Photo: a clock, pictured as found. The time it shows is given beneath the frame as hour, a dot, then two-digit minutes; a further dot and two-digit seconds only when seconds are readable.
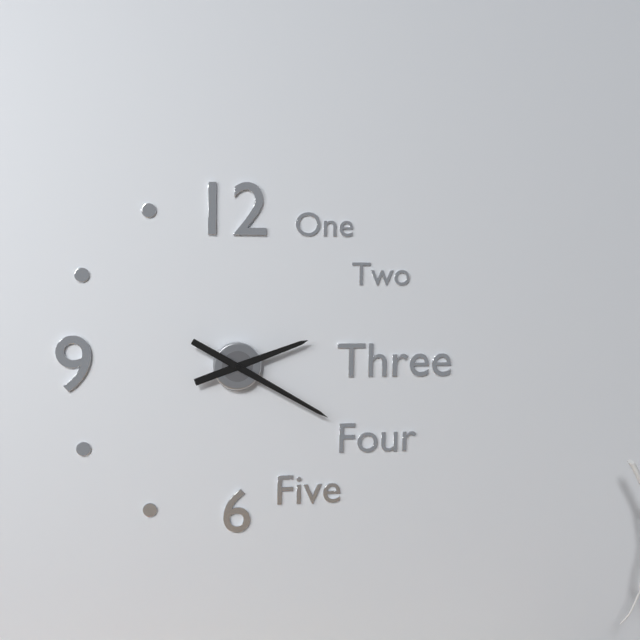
2.20
